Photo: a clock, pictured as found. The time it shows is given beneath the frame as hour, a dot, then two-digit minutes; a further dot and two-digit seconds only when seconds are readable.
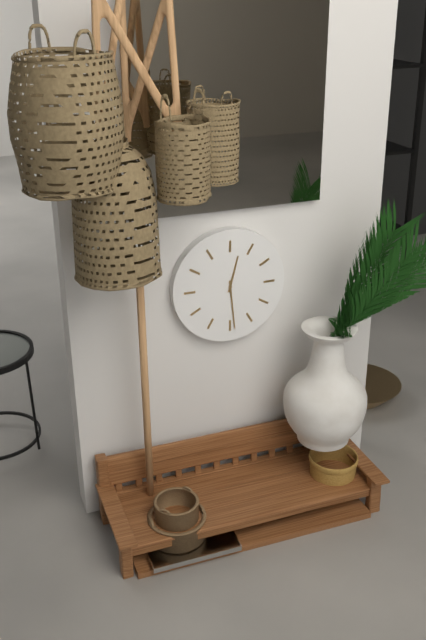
12.29
